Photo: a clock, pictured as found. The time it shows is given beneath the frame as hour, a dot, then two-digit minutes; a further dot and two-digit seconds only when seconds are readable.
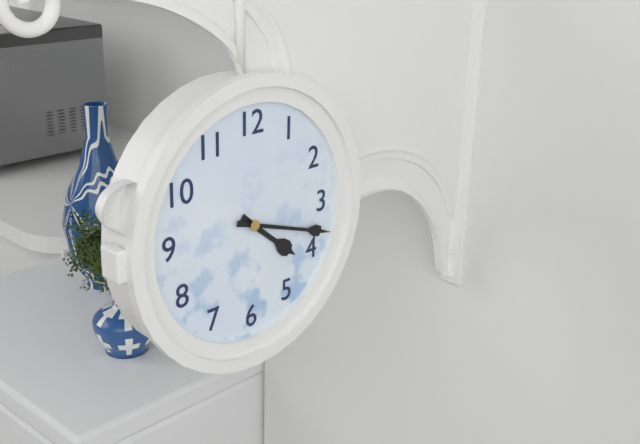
4.18
